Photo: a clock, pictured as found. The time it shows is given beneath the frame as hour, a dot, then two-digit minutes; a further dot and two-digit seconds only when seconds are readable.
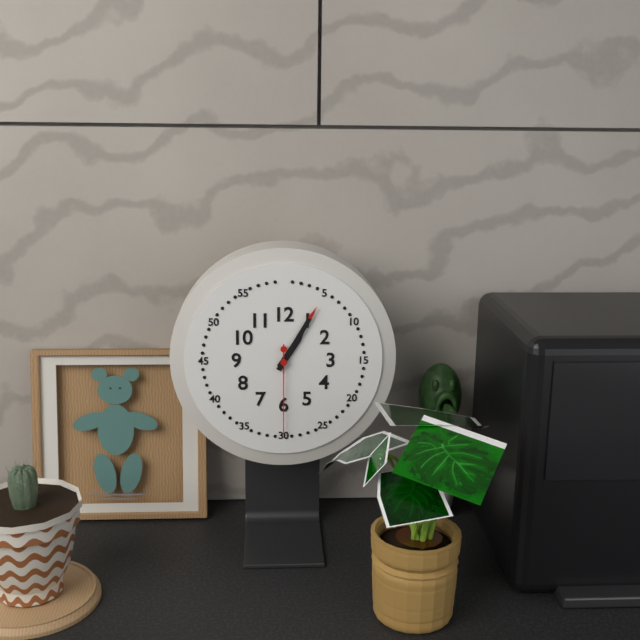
1.05.30
